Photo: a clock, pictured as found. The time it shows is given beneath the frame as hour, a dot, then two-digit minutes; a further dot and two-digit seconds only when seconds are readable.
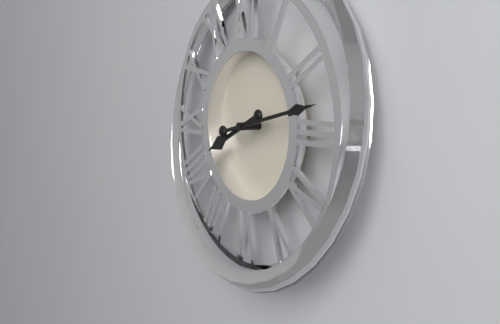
8.13
